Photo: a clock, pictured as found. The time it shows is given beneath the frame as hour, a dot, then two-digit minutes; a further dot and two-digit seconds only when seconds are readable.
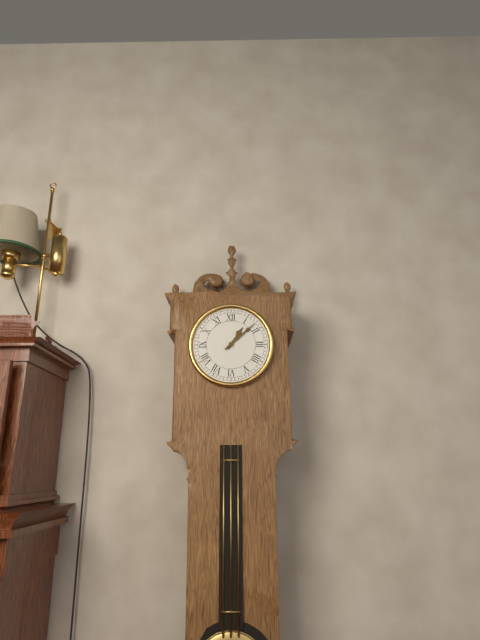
1.08
